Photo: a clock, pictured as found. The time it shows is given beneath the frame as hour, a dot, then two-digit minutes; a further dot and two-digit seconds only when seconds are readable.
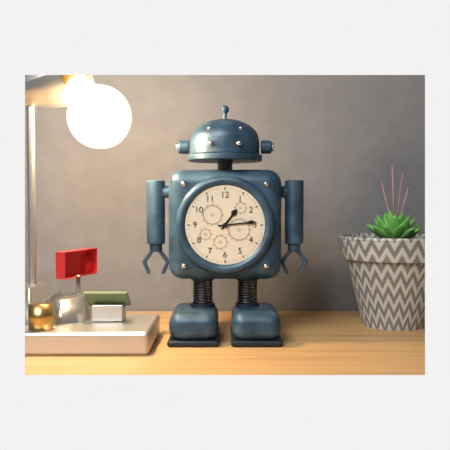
1.14
